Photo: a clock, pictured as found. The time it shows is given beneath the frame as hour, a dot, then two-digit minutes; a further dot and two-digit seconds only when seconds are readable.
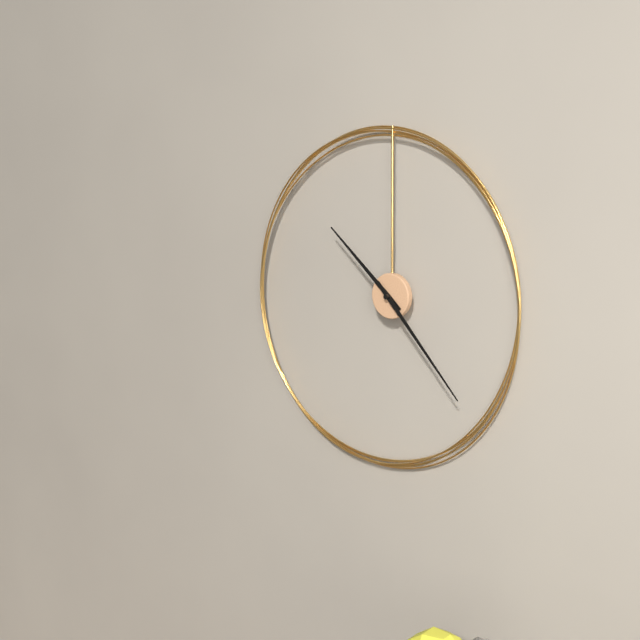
10.23
